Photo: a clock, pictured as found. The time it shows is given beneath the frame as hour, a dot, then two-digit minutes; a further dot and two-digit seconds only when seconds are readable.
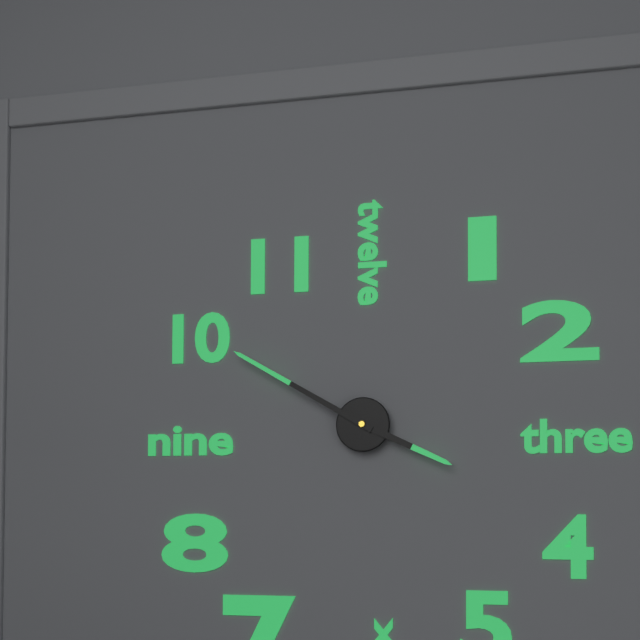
3.50
